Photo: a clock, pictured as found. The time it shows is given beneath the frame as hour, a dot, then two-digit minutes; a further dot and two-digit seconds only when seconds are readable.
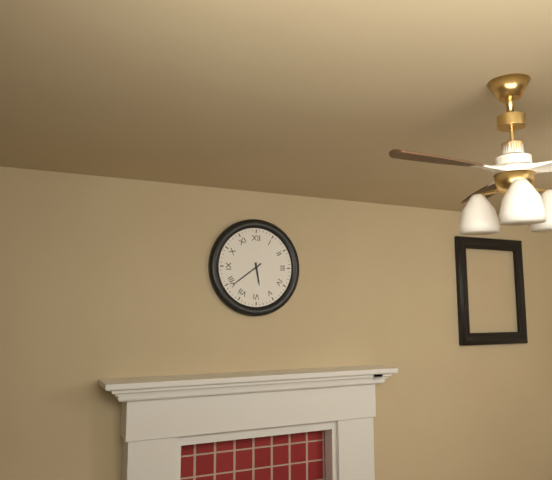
5.39
